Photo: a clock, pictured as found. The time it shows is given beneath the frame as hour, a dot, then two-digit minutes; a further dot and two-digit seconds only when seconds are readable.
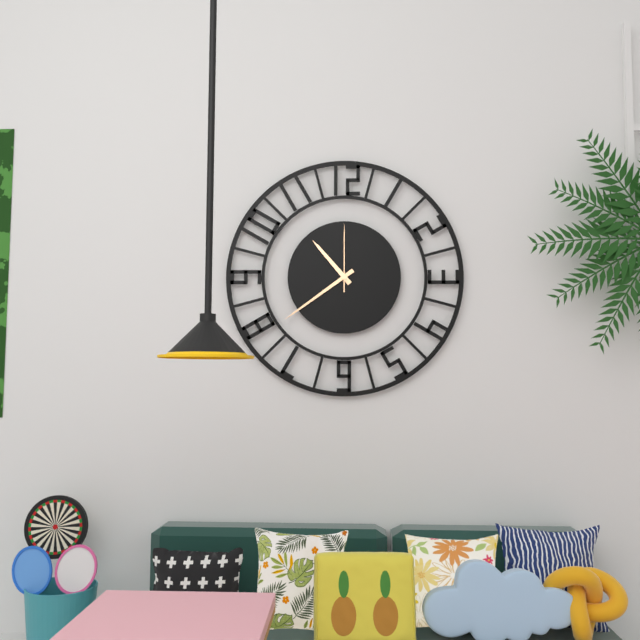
10.39.00
